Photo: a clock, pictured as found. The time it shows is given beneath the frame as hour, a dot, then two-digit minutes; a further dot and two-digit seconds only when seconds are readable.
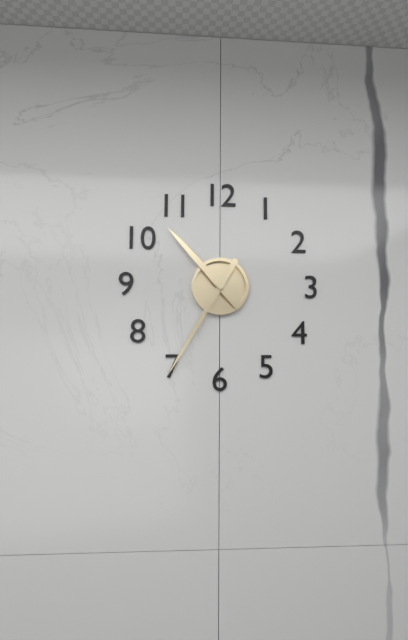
10.35
